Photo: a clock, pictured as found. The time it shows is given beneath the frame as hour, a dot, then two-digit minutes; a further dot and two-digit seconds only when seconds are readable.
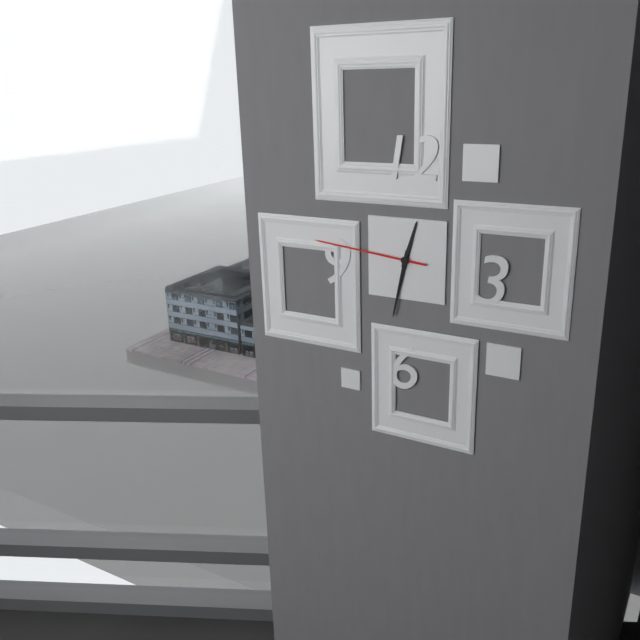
12.32.46
